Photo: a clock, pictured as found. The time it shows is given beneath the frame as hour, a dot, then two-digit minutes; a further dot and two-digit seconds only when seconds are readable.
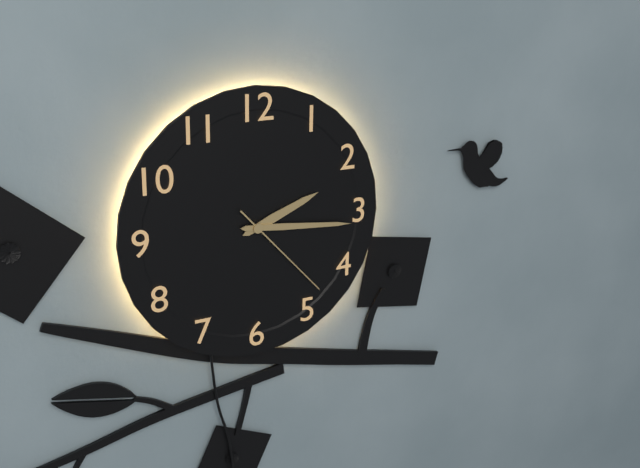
2.16.23
